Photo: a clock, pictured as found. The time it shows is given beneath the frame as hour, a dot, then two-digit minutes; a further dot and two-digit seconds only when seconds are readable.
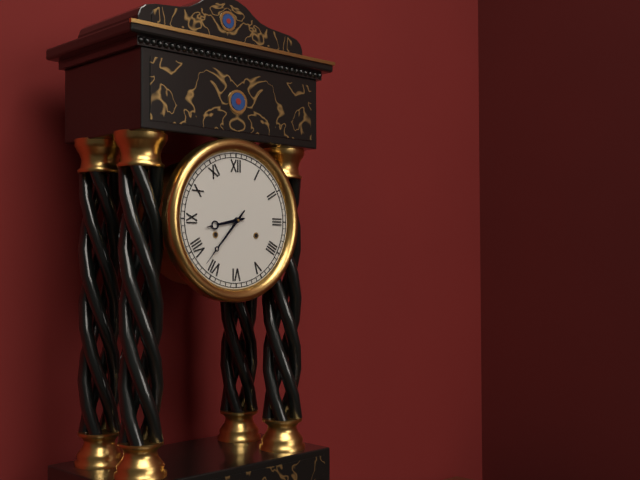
8.37
